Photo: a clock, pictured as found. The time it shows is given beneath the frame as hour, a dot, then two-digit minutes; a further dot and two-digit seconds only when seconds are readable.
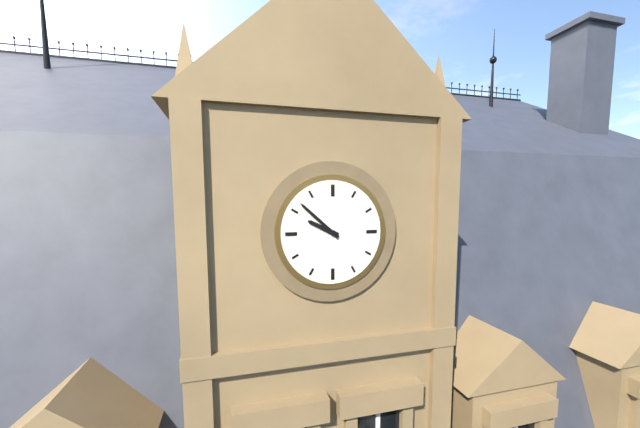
9.52
